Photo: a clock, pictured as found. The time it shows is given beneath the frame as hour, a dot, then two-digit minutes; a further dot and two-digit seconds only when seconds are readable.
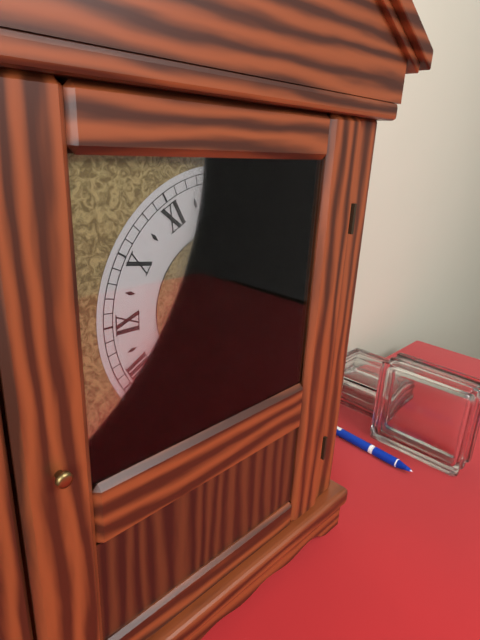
4.07
